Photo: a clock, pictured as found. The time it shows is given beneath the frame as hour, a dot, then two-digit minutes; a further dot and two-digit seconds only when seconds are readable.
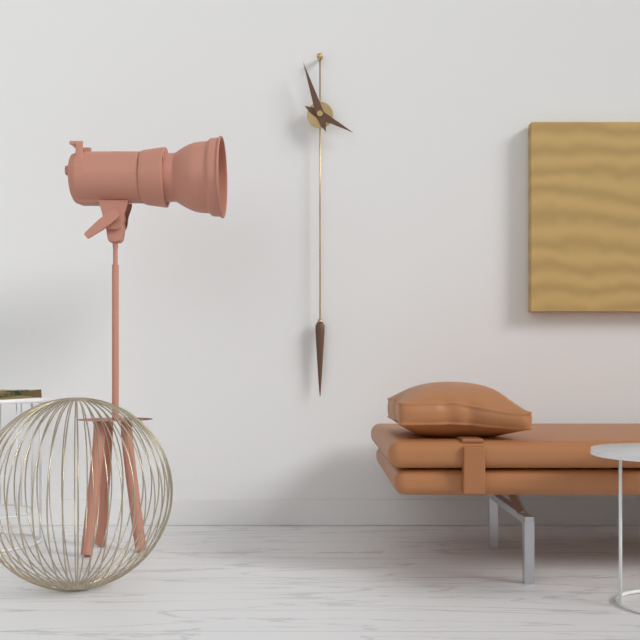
3.57
